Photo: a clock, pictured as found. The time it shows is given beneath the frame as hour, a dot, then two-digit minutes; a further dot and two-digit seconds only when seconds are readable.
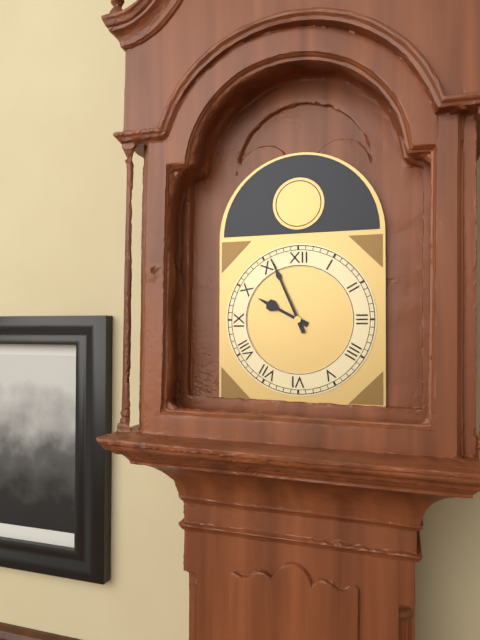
9.56
